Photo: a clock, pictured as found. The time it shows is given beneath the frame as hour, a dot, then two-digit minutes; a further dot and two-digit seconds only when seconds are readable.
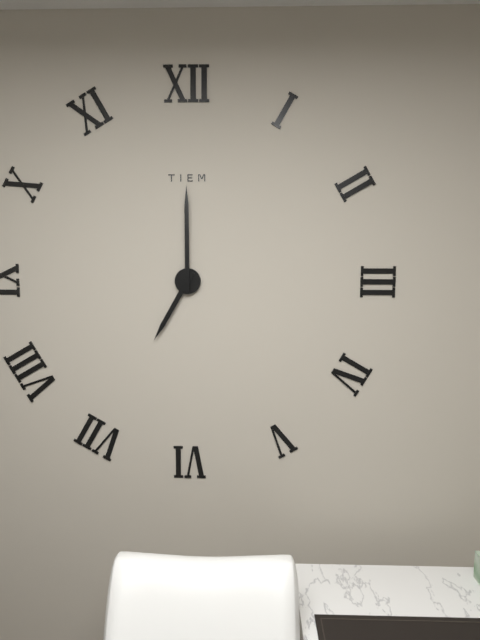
7.00
